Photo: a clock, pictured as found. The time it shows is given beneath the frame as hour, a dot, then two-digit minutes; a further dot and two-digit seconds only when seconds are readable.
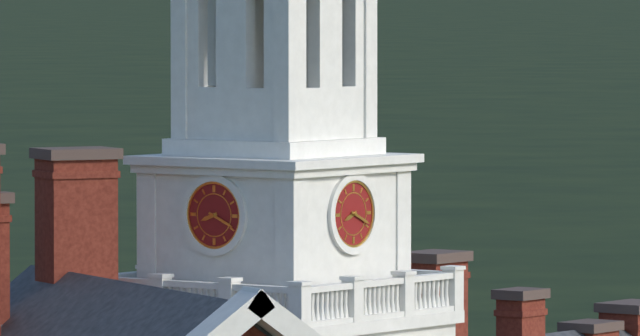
8.19
